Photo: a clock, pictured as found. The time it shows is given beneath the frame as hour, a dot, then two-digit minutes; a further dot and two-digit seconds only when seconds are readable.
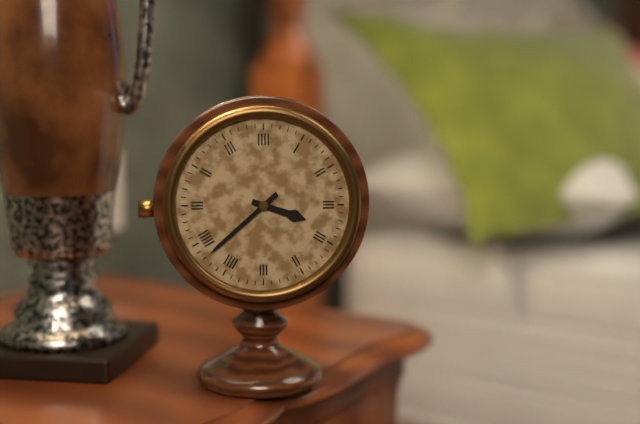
3.38
